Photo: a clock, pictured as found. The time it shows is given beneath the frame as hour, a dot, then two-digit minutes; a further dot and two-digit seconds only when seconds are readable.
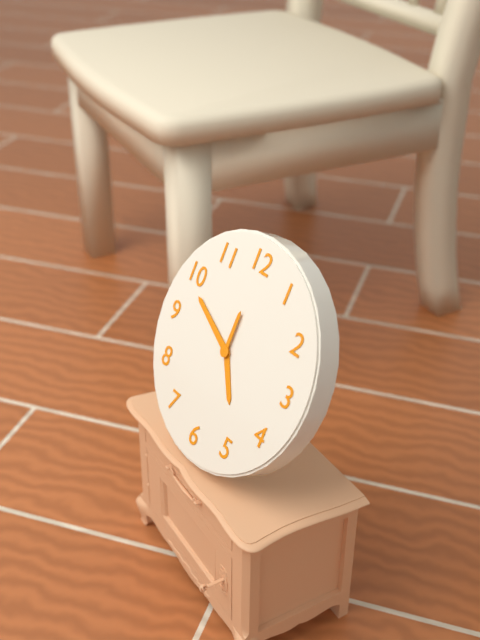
4.49.00
